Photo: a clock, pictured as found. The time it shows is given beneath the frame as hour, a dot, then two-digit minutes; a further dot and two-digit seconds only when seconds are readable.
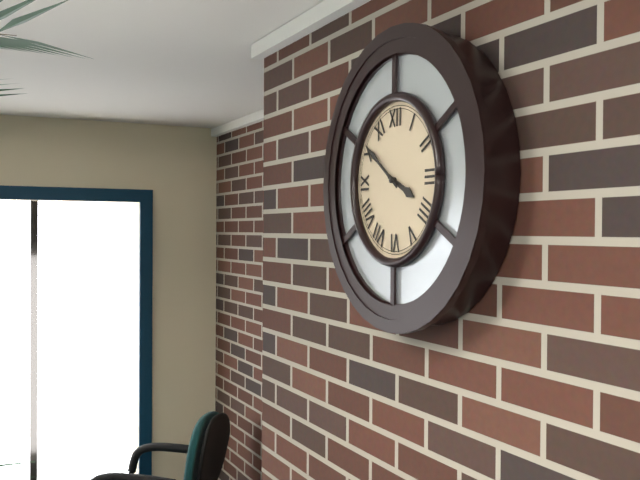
3.51
